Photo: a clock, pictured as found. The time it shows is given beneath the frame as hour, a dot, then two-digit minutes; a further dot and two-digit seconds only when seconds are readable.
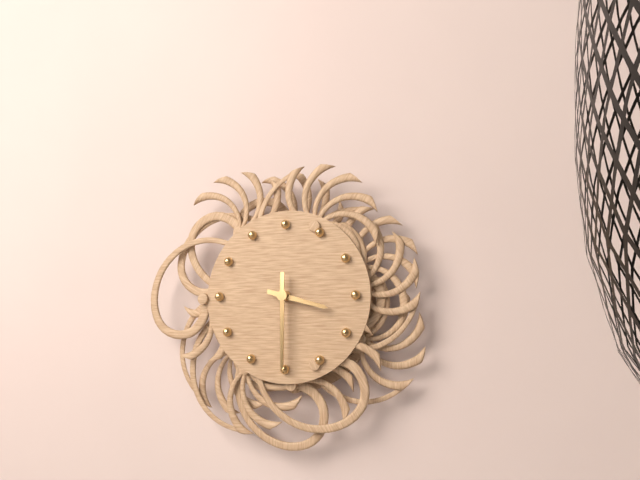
3.30
